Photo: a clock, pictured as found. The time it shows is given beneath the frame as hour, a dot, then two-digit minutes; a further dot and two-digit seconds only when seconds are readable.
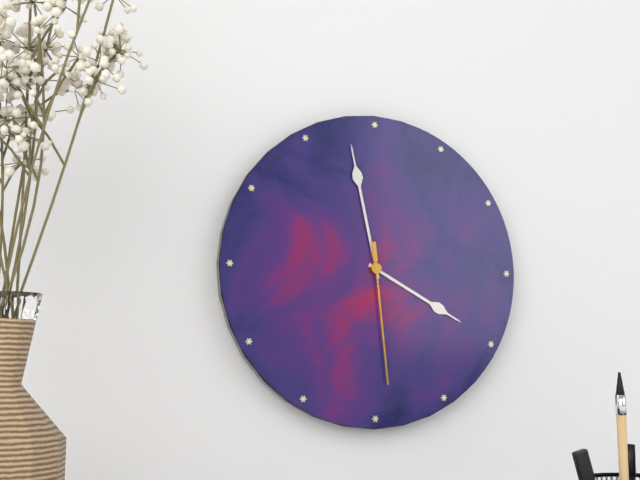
3.58.29
